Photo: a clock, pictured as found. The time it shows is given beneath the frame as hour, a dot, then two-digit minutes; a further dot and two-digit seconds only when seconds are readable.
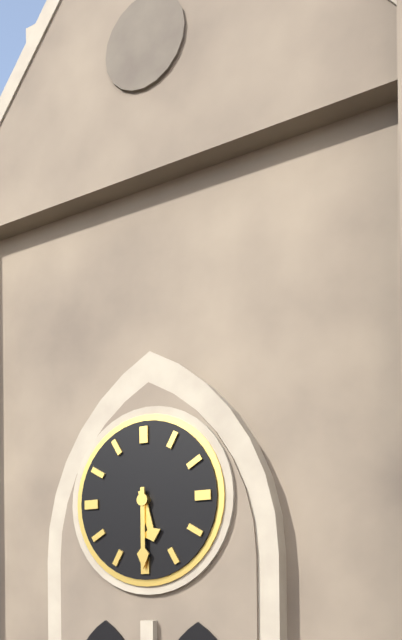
5.30
